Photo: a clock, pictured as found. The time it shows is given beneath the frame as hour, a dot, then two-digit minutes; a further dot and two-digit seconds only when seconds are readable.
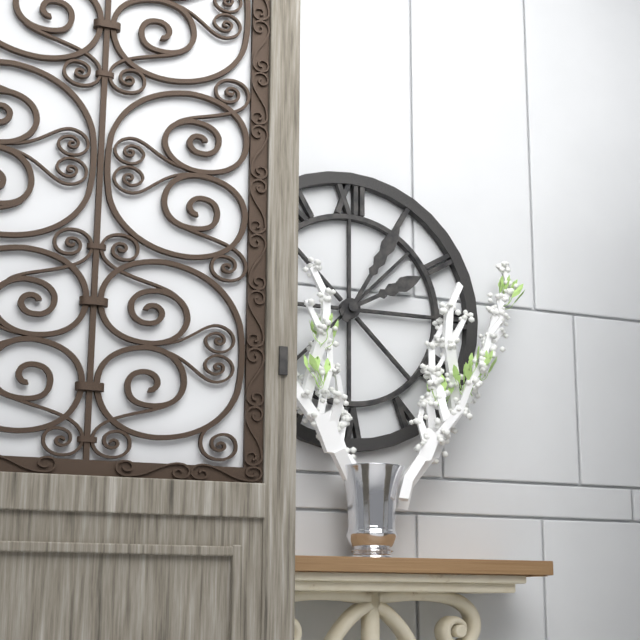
2.05
